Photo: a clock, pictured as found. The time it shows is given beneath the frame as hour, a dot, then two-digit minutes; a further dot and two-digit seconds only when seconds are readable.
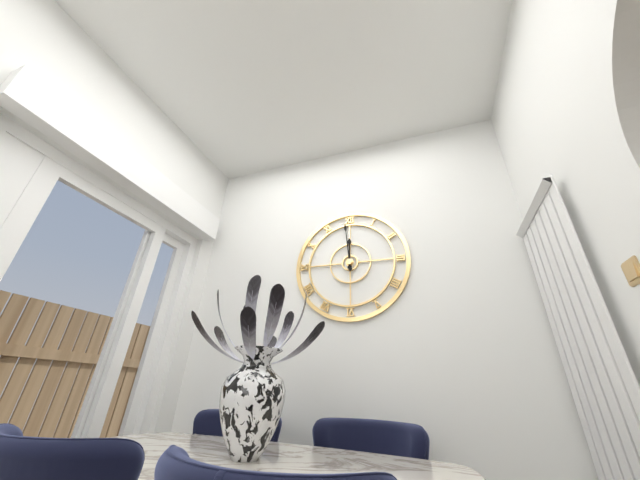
11.59
